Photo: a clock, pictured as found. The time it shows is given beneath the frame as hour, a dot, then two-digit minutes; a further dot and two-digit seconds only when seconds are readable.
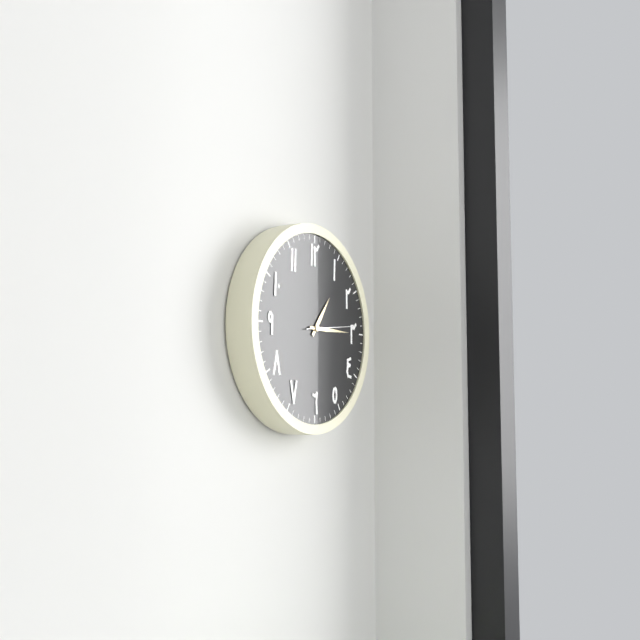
1.15
